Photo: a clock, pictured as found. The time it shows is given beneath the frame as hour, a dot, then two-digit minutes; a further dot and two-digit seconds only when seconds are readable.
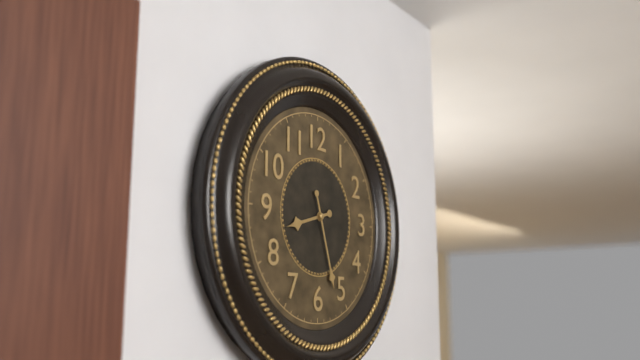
8.27
